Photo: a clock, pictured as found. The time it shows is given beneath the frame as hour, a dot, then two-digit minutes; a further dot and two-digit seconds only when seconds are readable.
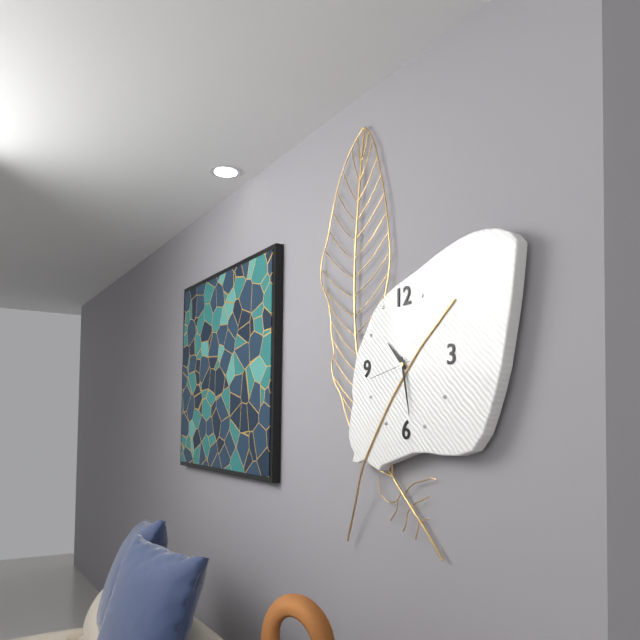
10.28
